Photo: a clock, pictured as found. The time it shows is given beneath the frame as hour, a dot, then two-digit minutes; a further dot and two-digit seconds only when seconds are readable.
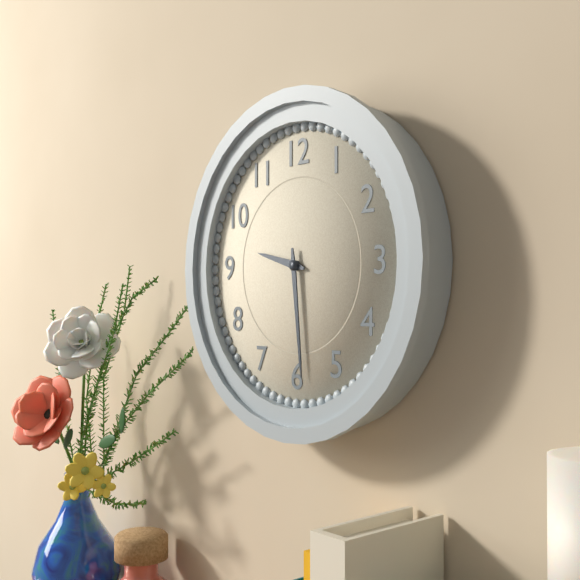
9.29
